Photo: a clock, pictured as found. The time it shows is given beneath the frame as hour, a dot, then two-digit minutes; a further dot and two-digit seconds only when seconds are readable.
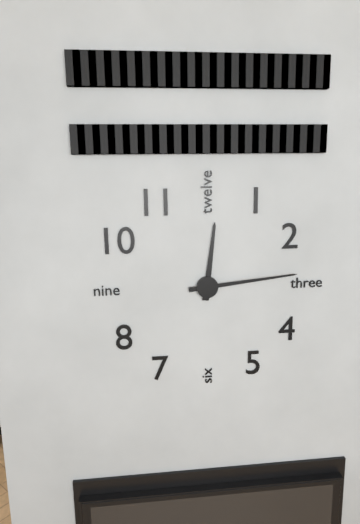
12.14
